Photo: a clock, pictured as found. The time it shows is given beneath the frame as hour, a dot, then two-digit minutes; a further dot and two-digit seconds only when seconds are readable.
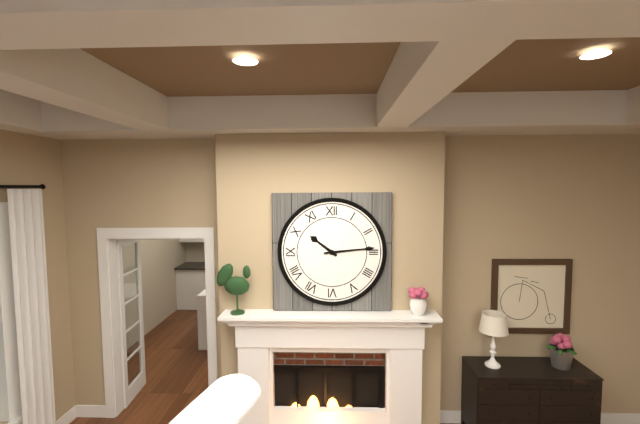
10.14
